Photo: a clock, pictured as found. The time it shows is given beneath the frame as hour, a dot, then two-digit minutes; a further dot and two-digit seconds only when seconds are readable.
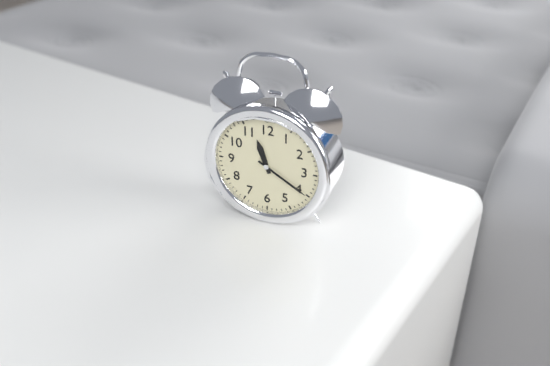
11.20
